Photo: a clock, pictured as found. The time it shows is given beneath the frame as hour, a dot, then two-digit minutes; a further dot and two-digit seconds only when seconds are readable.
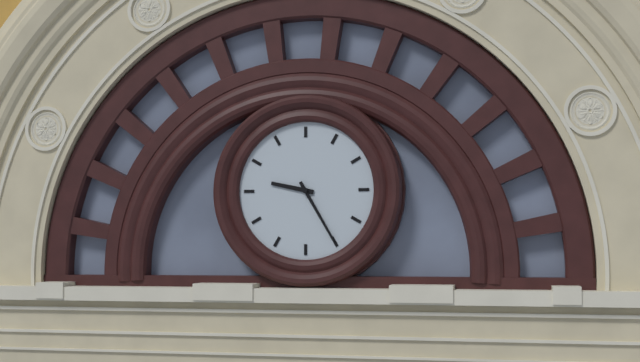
9.25
